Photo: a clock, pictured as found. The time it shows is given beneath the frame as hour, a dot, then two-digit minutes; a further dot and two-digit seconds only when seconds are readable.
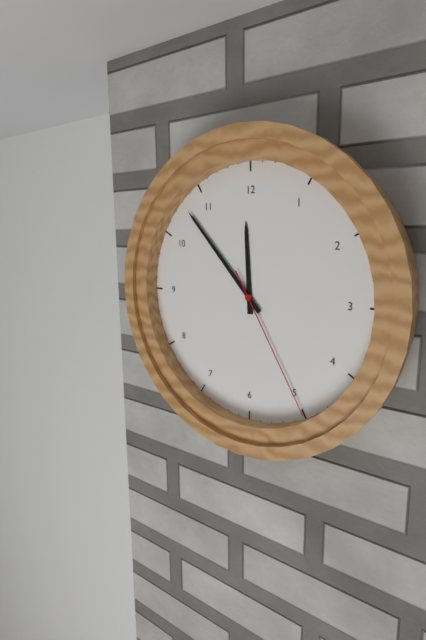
11.53.25
